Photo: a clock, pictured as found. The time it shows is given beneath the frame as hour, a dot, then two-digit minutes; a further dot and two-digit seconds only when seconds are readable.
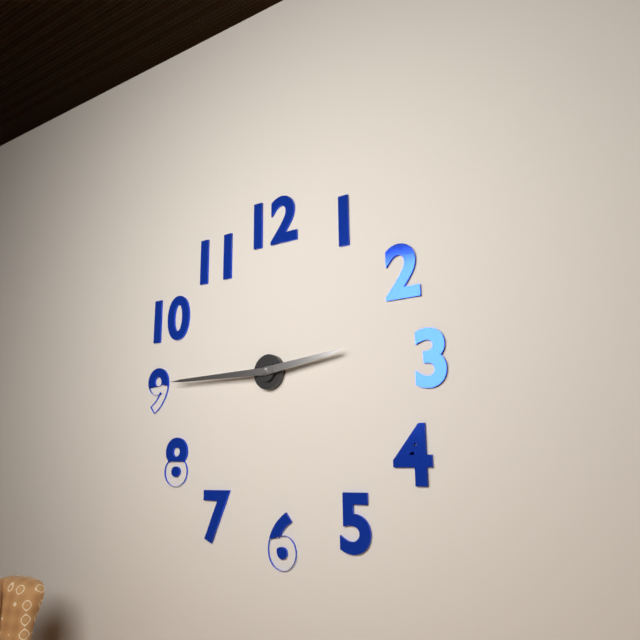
2.45
